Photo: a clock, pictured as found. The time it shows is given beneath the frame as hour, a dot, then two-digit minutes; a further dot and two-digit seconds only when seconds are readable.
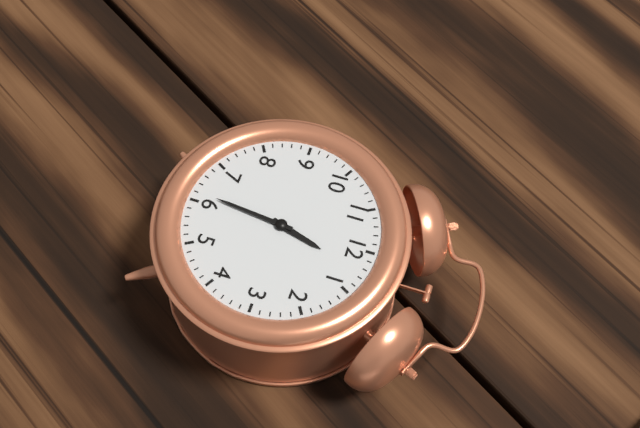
12.31
